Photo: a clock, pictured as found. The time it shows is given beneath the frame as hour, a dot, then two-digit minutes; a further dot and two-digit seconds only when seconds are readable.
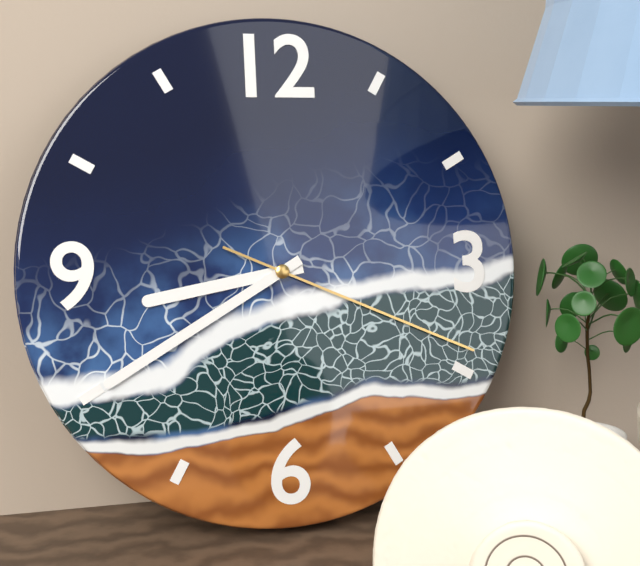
8.40.19
